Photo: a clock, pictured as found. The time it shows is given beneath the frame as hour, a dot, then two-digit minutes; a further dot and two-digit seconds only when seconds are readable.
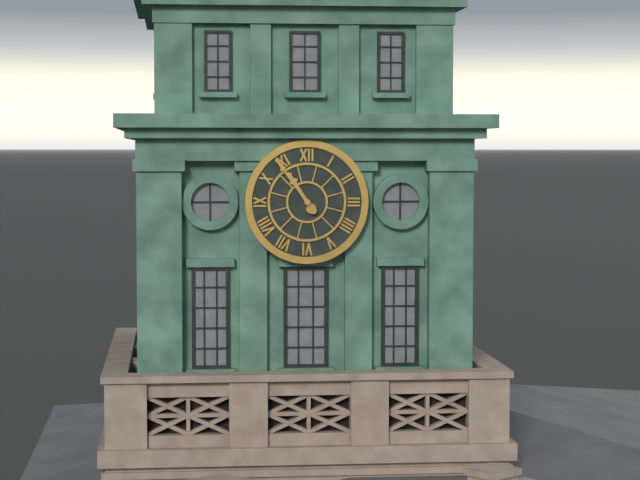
10.54
